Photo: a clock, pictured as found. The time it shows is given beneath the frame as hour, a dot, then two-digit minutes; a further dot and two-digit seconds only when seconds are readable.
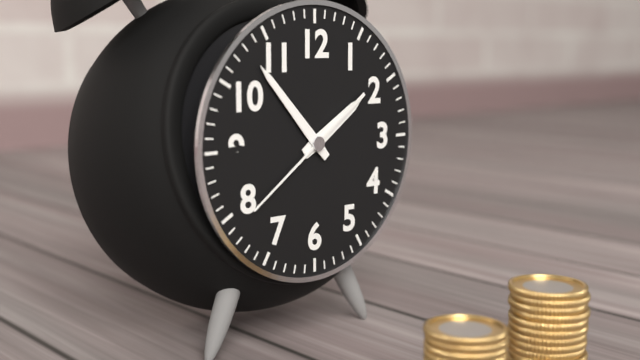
1.53.39
